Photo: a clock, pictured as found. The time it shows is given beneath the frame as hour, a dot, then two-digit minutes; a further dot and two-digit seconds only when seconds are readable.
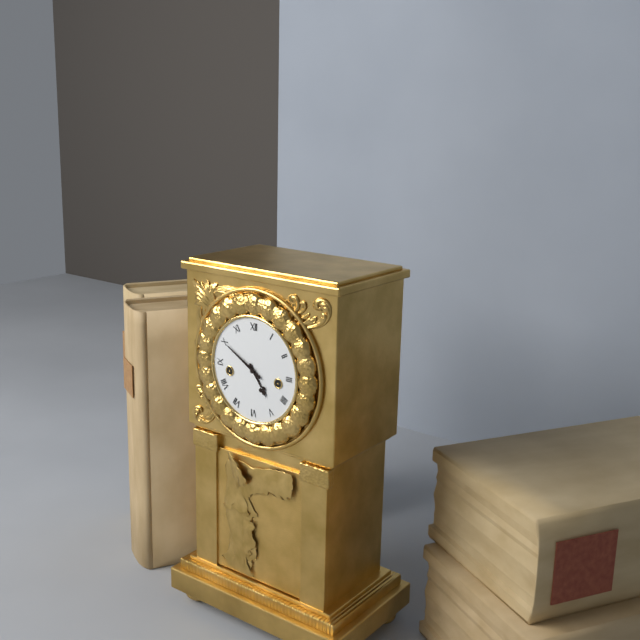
4.50
